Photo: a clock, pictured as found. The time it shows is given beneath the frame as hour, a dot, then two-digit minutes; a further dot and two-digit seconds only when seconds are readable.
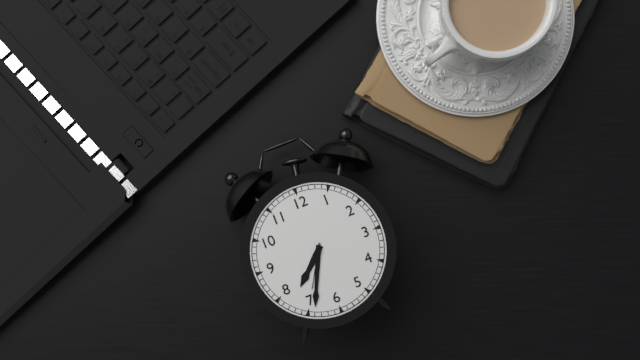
7.34.35
